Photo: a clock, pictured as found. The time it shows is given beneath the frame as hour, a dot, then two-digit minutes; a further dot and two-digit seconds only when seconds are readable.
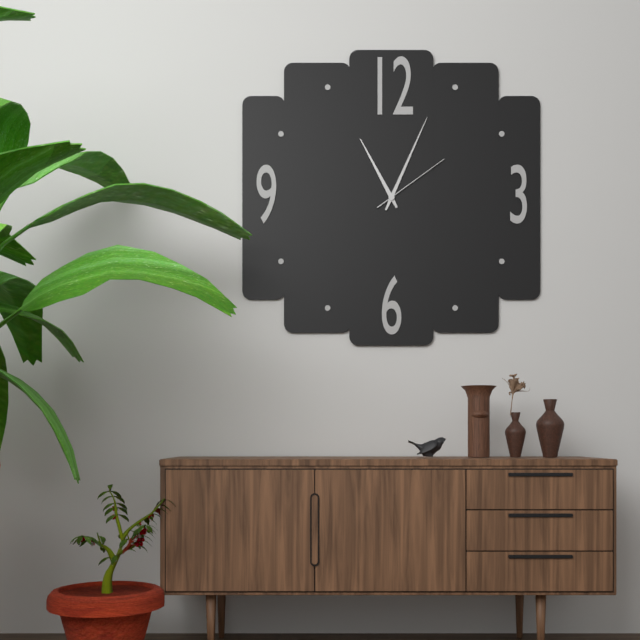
11.04.09
